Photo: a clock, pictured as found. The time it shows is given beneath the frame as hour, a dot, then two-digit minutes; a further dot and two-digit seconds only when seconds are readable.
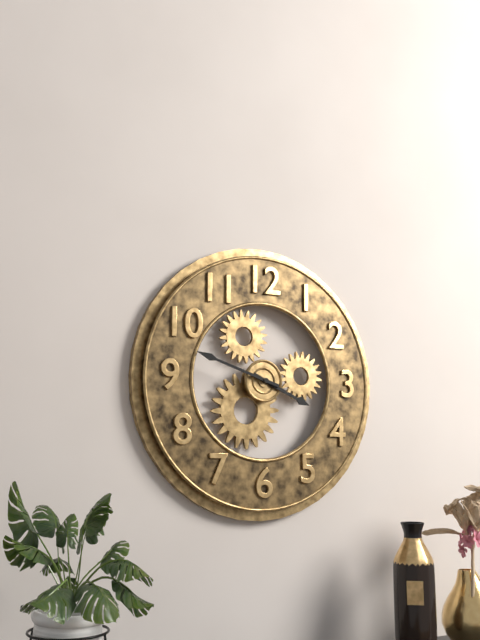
3.48
